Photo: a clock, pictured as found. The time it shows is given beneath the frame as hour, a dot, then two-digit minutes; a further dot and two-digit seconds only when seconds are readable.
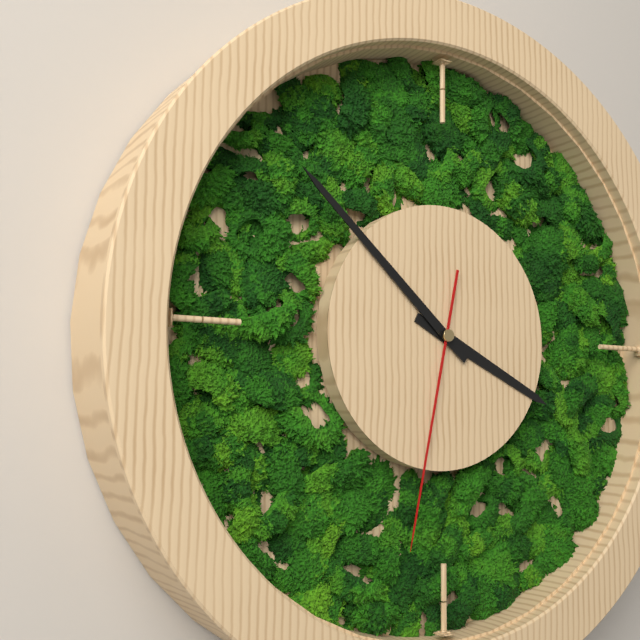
3.52.32
